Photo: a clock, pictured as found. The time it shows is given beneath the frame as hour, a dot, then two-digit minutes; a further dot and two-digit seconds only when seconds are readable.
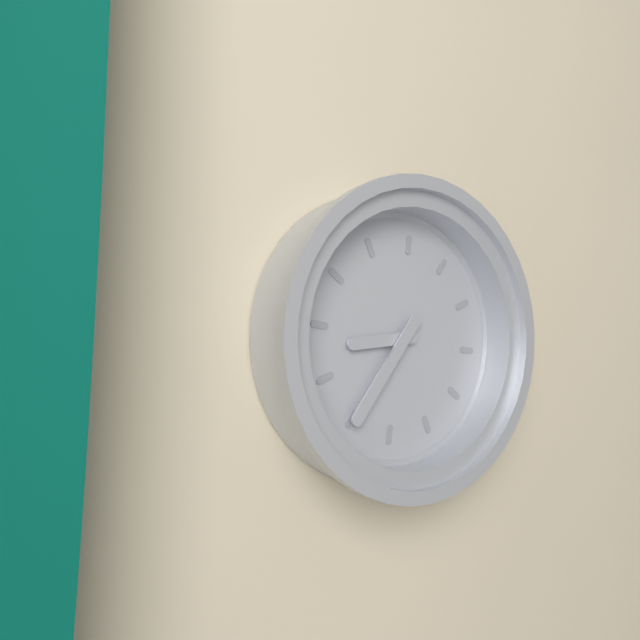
8.35
